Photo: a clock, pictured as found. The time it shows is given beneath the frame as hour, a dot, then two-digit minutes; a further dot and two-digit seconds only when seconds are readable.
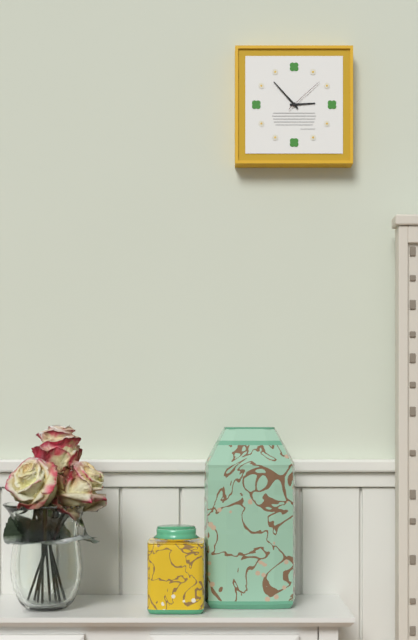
2.53
